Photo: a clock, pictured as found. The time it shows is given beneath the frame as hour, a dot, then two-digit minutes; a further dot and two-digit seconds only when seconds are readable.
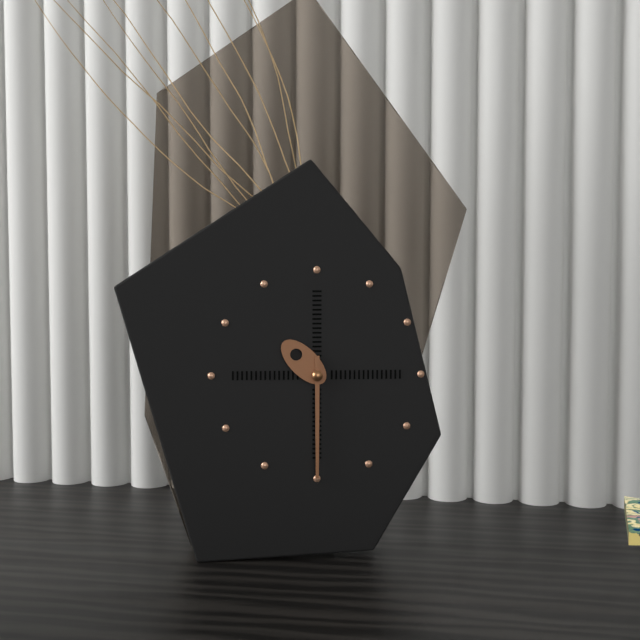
10.30
